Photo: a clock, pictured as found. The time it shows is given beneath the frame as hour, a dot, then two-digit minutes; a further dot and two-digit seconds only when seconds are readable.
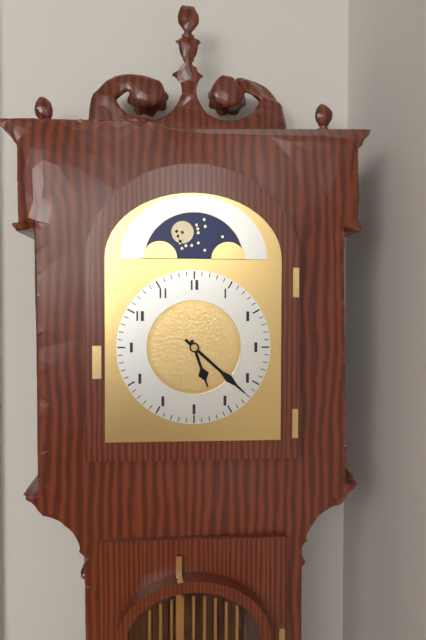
5.22
